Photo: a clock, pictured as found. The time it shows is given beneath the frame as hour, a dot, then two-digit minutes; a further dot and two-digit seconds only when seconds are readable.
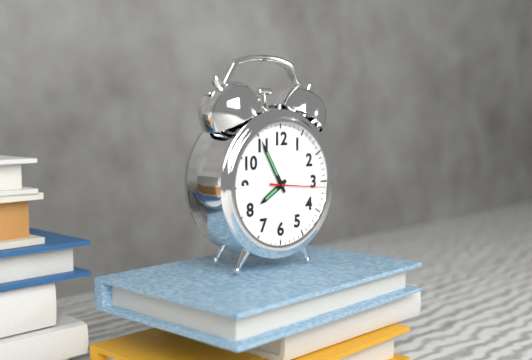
7.55.16
